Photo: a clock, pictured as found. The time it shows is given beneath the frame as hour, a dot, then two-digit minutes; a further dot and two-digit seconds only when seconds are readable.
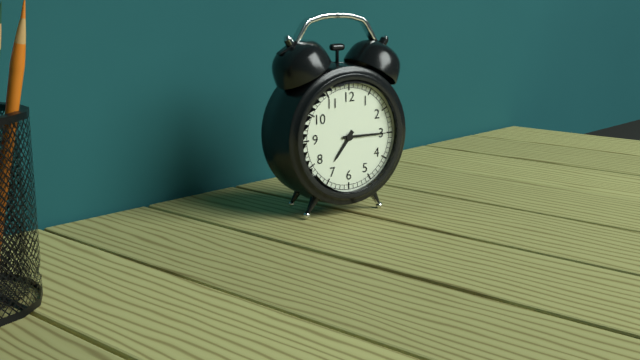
7.15
